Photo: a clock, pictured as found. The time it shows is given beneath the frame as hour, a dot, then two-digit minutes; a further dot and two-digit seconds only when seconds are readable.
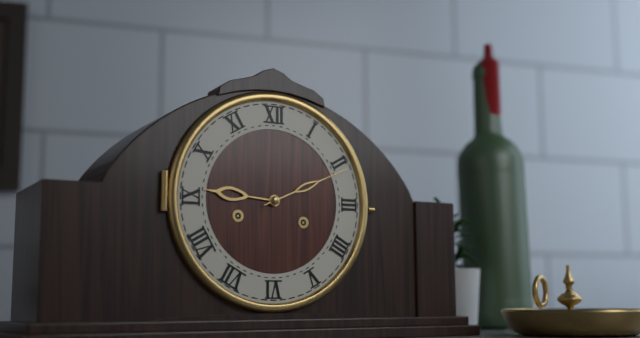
9.11
